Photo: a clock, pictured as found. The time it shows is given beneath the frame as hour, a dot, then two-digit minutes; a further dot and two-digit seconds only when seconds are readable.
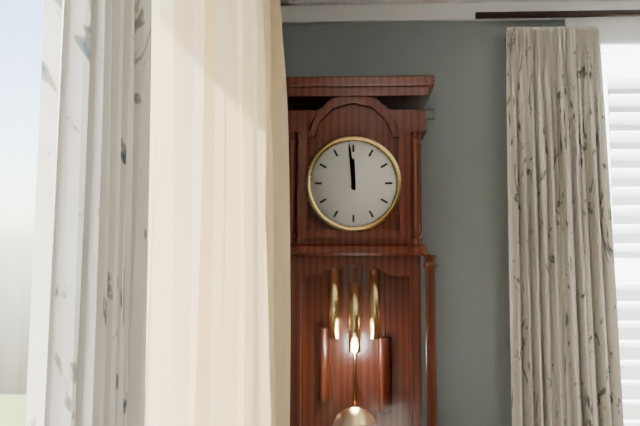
11.59
